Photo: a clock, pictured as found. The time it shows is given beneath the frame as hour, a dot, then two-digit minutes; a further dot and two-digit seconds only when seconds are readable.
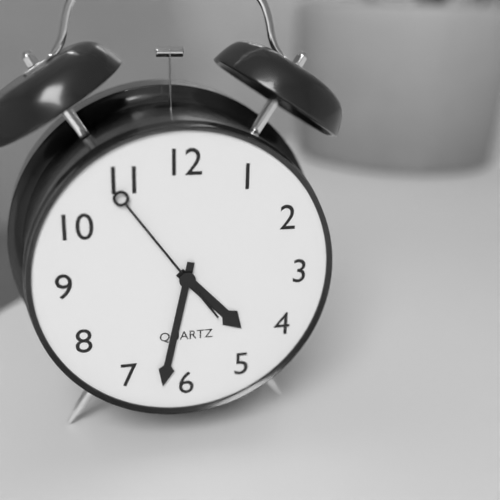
4.32.54
